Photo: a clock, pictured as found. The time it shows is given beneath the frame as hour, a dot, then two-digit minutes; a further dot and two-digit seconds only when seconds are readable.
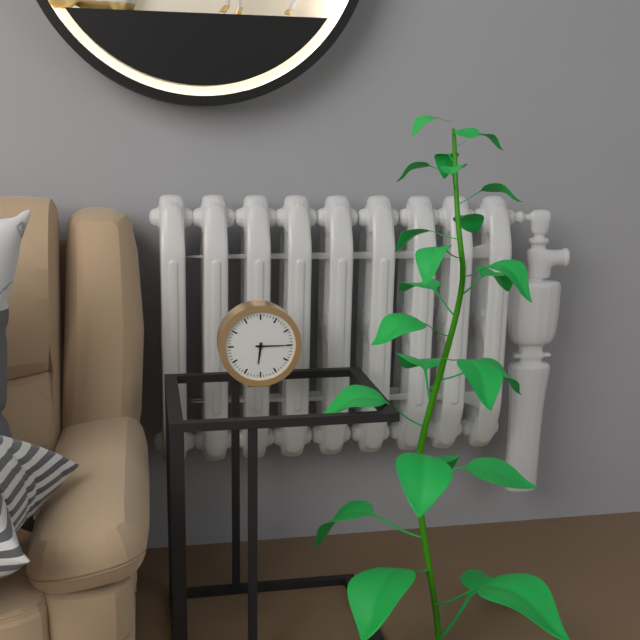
6.15
